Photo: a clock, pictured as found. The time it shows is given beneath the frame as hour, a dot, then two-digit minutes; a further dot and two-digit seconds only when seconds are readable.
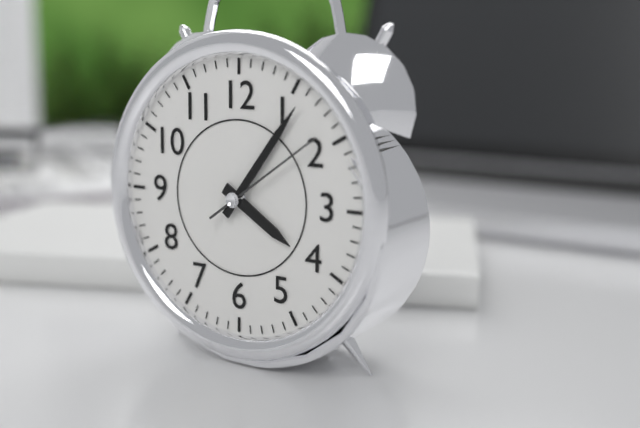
4.06.09
